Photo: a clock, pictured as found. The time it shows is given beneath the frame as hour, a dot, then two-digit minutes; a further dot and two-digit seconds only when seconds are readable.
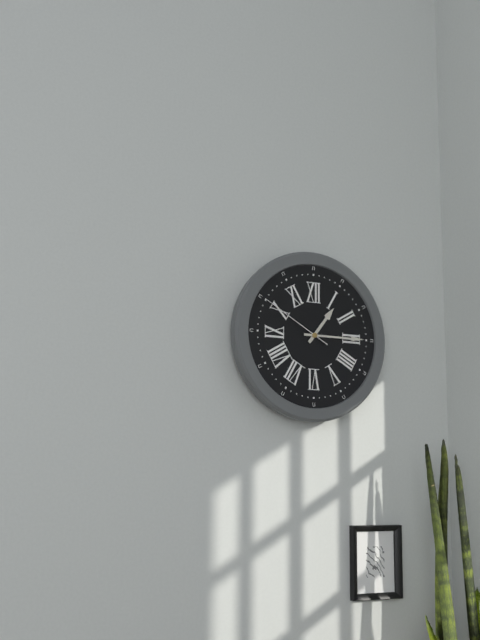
1.15.50
